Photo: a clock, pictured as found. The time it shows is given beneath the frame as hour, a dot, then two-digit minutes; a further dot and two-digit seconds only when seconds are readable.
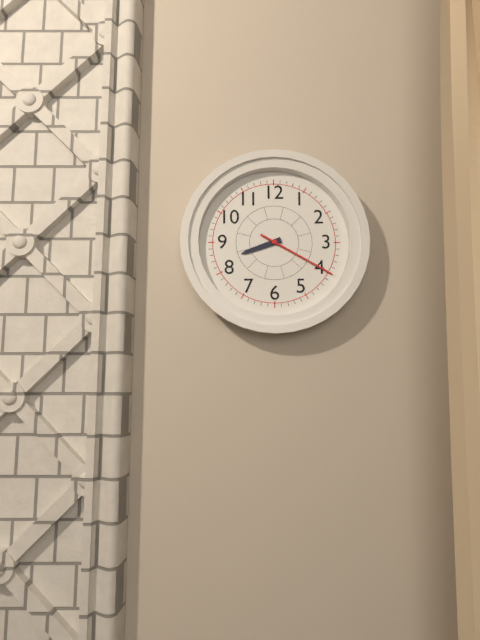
8.20
